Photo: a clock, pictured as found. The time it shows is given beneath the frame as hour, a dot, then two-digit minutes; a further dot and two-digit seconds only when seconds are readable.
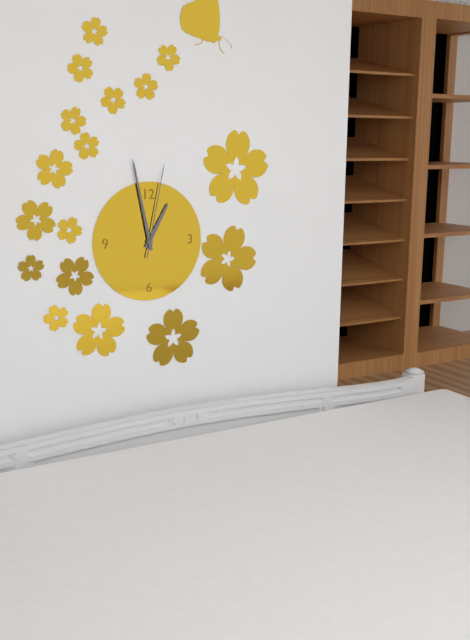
12.58.02
